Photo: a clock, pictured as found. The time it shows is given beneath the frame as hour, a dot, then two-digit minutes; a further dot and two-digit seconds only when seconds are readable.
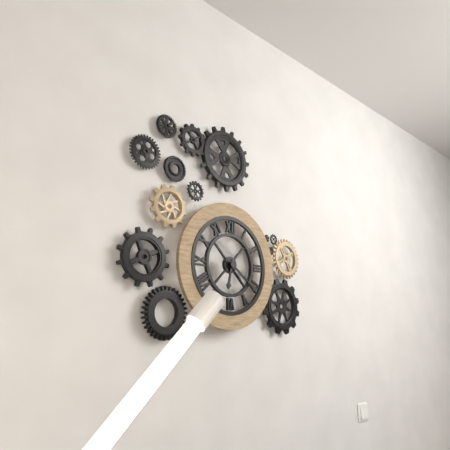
6.21
